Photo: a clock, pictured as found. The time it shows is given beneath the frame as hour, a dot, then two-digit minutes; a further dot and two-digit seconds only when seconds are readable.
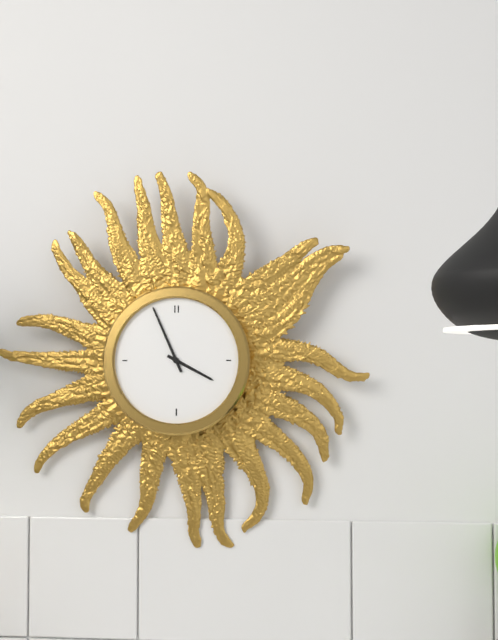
3.56
